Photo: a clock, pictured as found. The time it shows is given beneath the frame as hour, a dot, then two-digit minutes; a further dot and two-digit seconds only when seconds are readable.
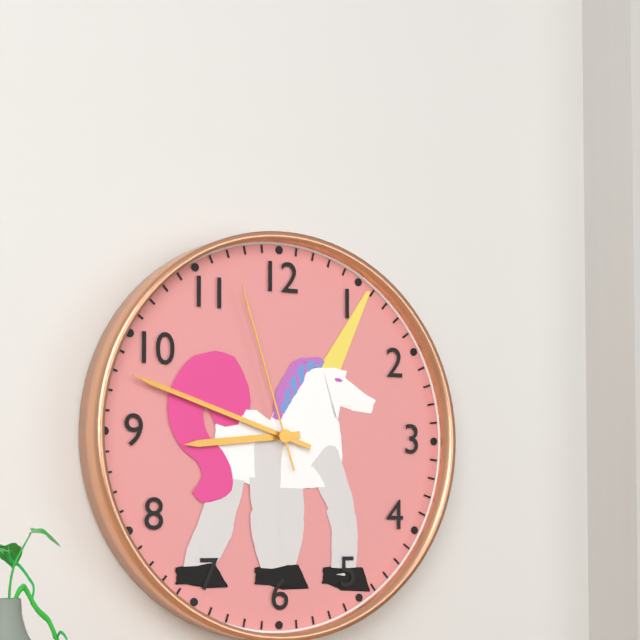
8.48.57
